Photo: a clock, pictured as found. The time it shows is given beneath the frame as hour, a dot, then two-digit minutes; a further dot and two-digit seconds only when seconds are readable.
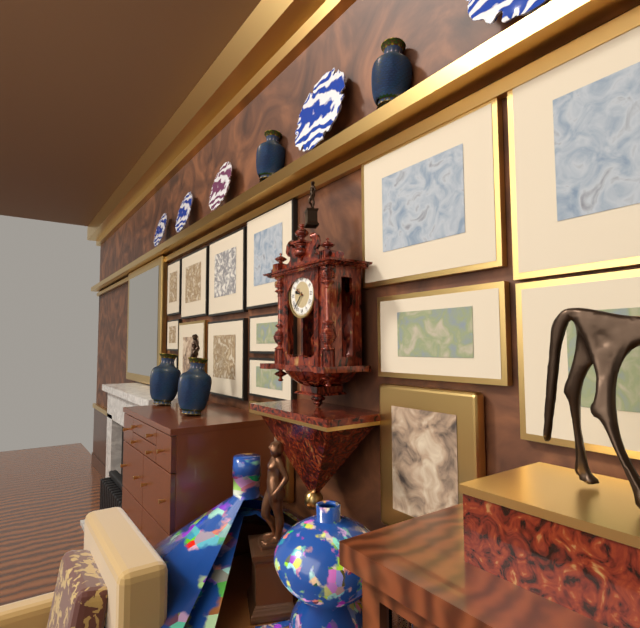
9.37
